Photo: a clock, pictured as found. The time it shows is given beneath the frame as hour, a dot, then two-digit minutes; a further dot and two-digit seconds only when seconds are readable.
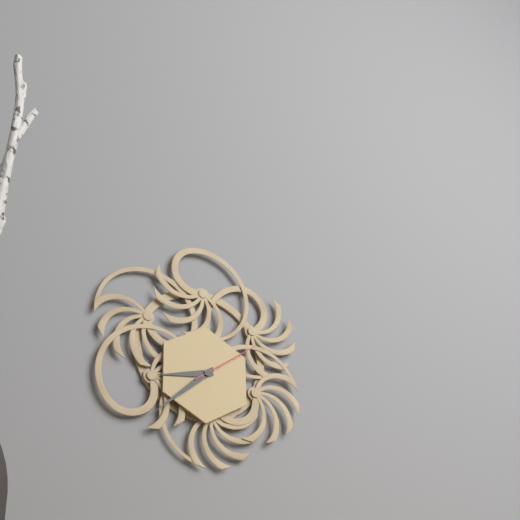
8.38.09
